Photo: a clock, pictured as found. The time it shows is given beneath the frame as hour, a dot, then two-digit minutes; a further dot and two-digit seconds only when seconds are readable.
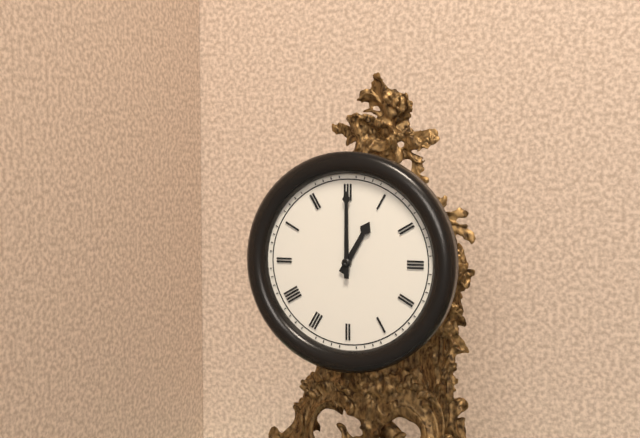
1.00
